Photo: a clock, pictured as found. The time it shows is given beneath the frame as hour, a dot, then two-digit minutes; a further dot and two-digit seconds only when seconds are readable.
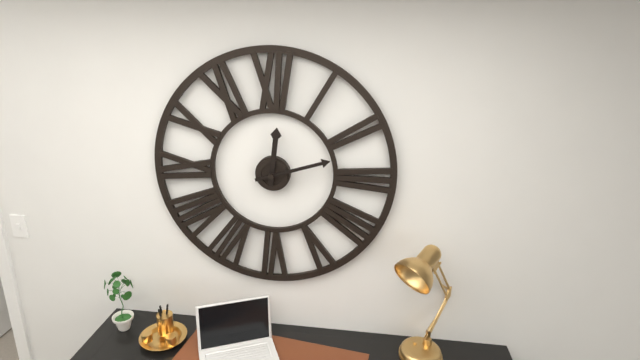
12.12
